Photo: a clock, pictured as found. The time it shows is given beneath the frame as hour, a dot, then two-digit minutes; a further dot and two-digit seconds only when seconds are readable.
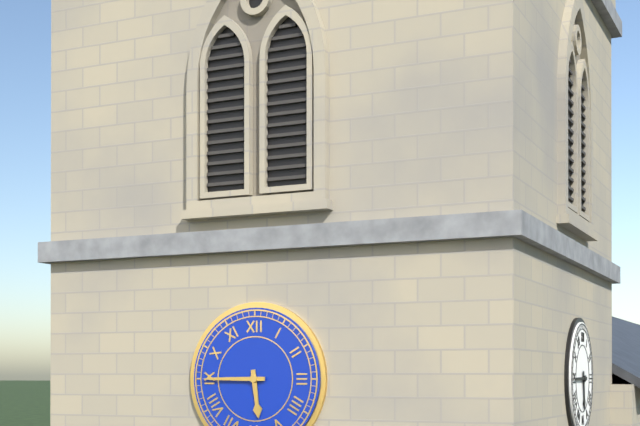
5.45
